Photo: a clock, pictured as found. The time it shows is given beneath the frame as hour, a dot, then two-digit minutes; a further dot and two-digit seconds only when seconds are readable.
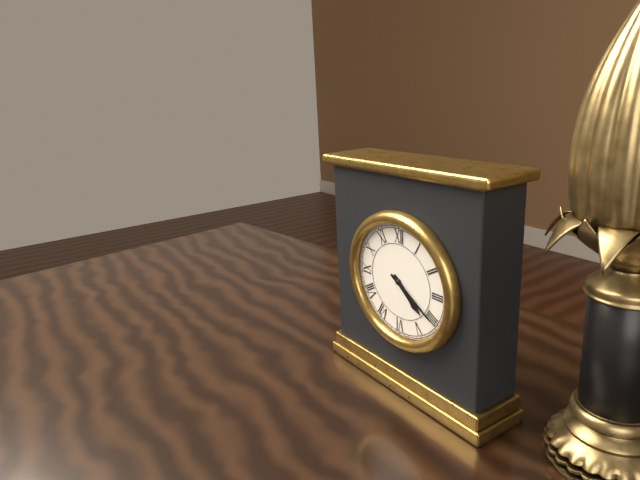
4.20
